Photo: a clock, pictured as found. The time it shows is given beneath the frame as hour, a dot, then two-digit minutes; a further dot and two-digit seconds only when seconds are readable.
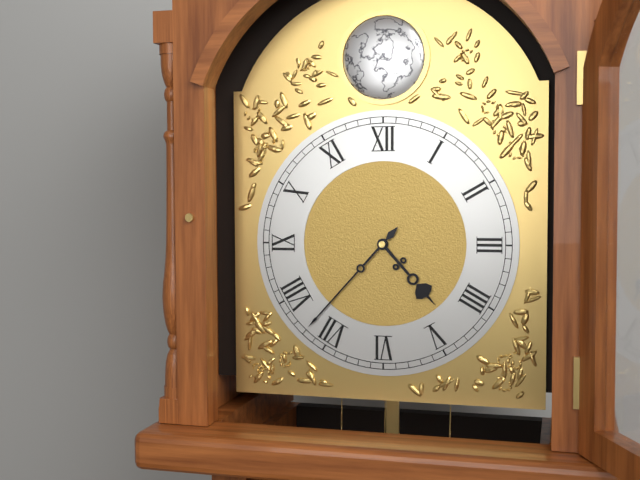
4.37
